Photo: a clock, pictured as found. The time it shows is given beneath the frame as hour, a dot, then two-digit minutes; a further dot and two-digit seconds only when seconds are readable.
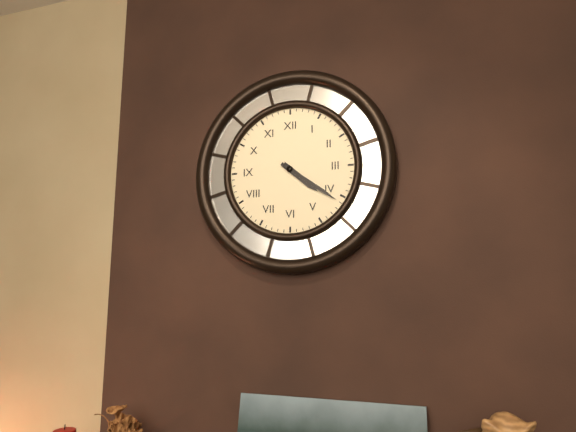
4.21
